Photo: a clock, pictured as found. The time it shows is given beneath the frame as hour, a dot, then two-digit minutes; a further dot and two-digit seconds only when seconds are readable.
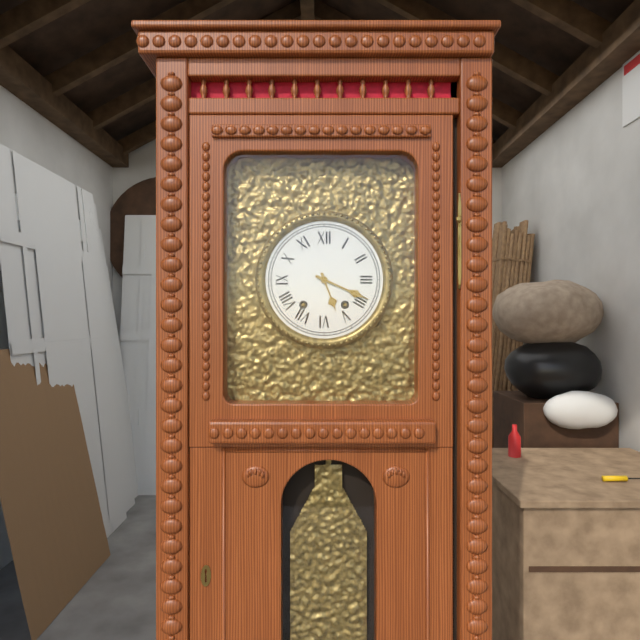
5.19
